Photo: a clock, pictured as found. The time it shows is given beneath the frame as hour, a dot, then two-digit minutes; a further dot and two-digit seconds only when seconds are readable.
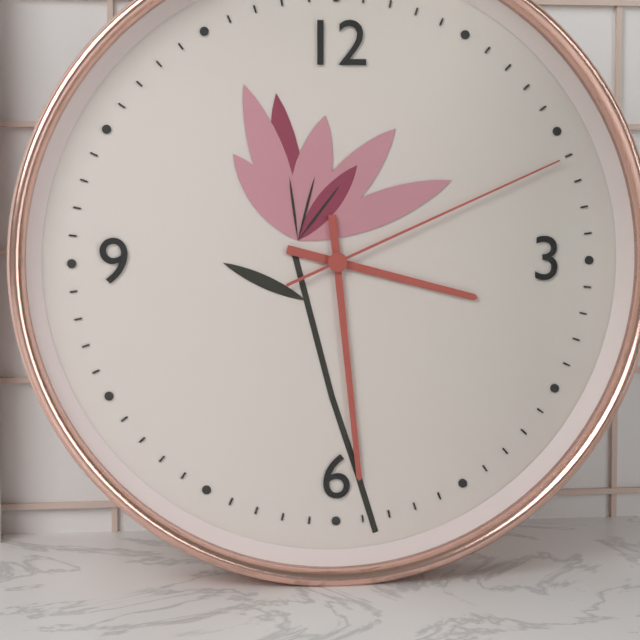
3.29.11
